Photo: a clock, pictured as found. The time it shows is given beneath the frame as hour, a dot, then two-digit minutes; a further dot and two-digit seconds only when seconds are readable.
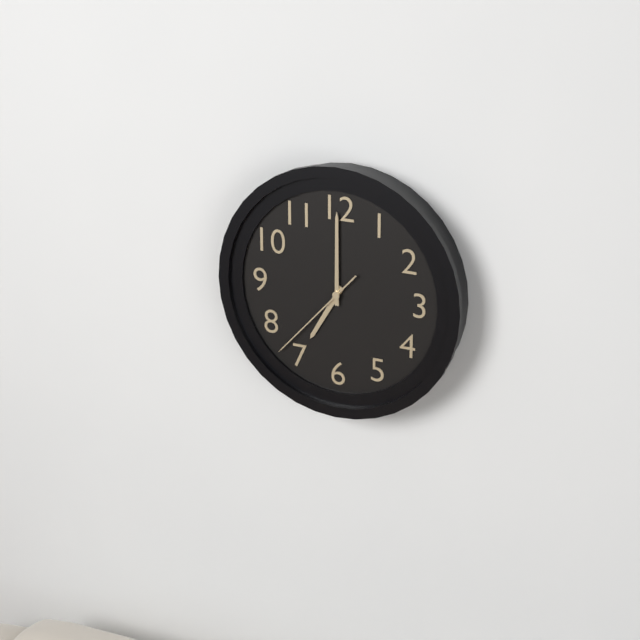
7.00.37
